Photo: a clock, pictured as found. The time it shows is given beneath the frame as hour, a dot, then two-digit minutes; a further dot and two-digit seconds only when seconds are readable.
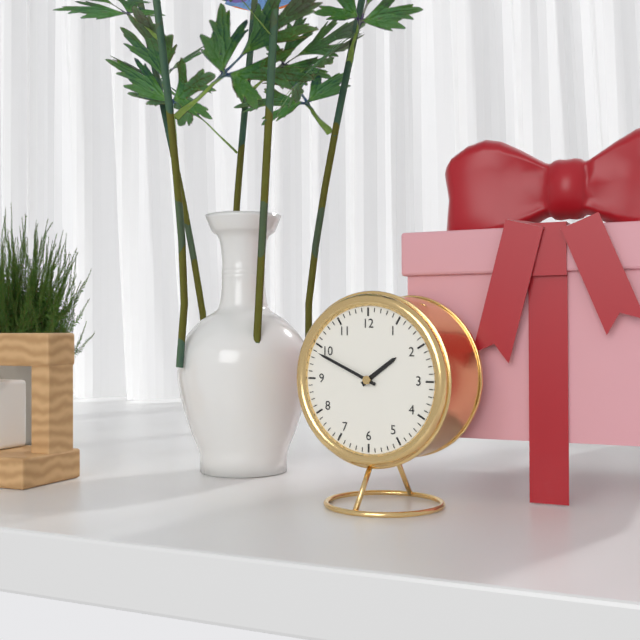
1.49
